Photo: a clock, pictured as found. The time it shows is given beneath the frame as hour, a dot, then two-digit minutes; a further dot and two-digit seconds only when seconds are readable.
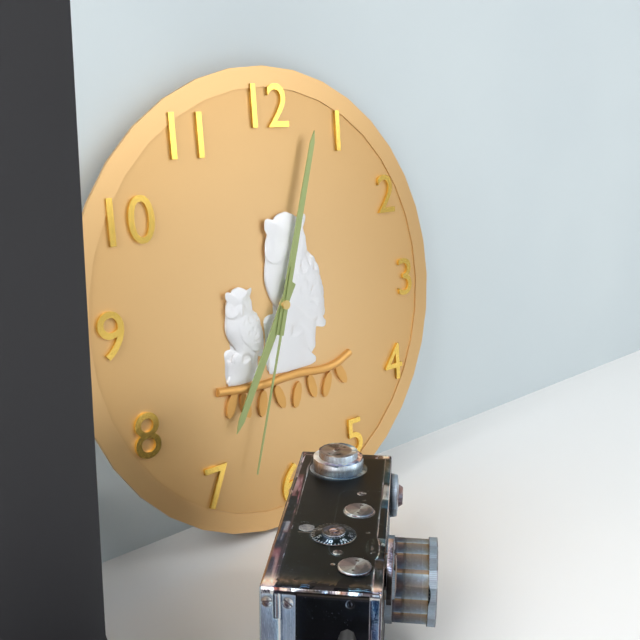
7.03.33
